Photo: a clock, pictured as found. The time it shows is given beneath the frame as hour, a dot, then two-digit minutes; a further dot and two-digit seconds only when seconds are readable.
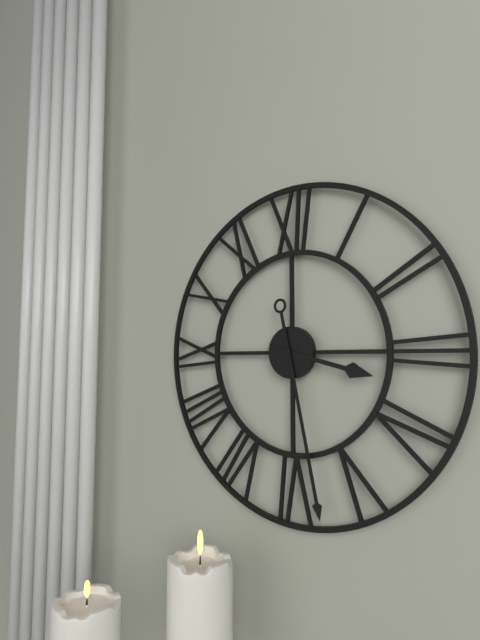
3.28
